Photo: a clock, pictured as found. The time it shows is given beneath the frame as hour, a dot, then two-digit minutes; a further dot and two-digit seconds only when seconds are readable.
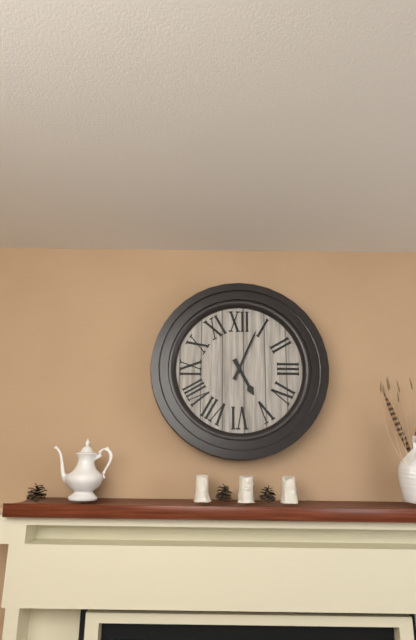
5.04
